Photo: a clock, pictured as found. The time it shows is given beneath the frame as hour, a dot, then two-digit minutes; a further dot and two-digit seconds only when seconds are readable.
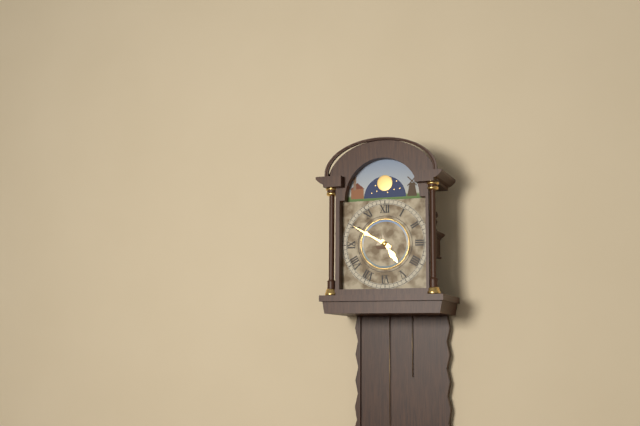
4.50
